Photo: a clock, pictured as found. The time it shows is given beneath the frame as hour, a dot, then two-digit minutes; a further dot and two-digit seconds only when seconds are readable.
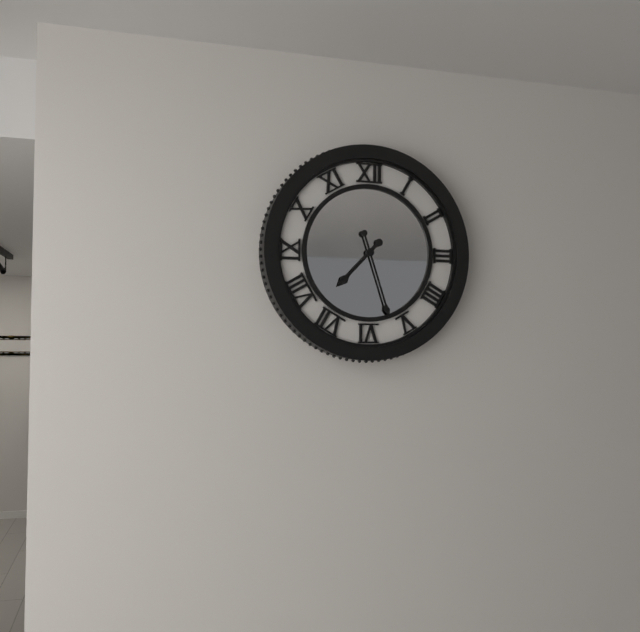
7.27
